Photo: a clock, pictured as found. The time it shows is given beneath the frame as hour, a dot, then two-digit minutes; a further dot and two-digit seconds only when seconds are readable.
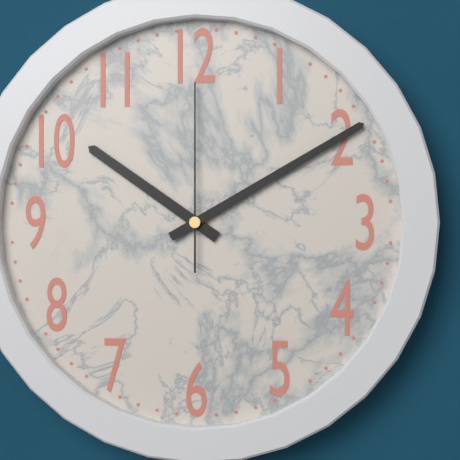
10.10.00
